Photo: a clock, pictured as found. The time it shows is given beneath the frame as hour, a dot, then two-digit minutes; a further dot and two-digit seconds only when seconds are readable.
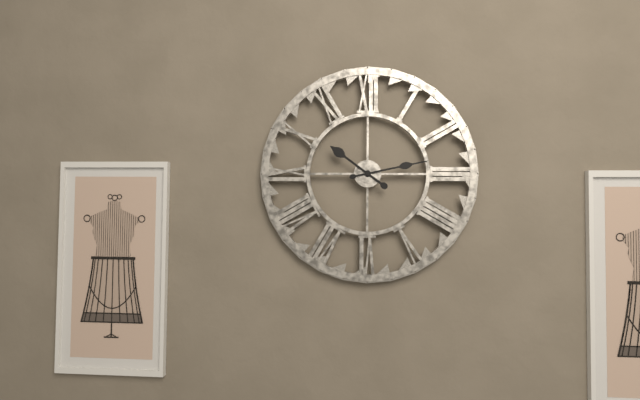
10.13
